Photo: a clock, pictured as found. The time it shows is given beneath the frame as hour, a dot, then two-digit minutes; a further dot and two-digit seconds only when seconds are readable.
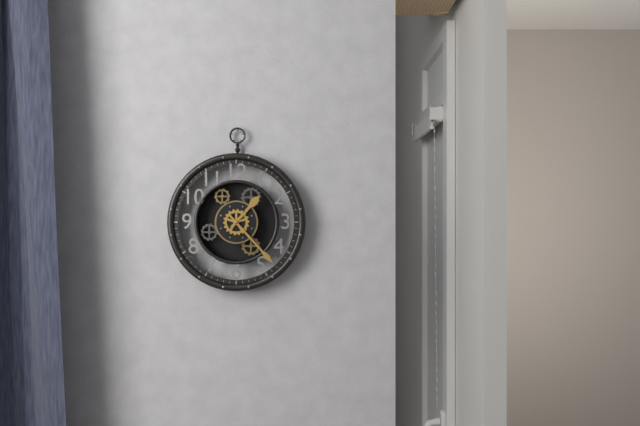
1.23
